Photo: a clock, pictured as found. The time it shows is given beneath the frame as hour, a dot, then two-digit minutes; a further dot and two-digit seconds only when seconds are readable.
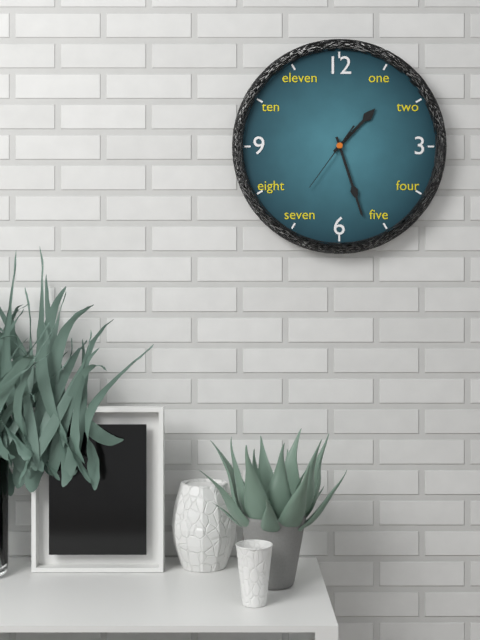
1.27.36
